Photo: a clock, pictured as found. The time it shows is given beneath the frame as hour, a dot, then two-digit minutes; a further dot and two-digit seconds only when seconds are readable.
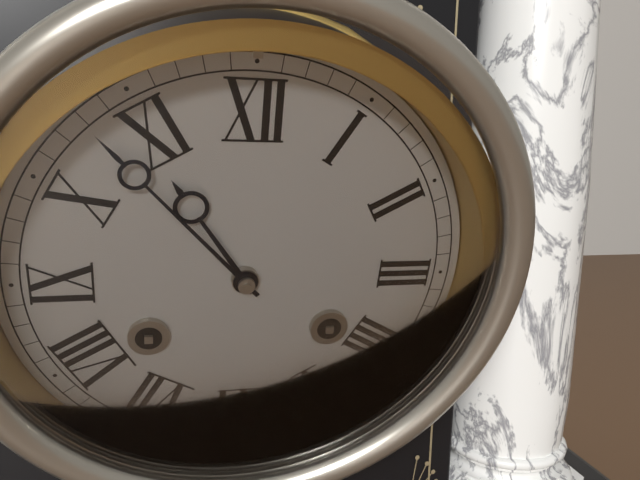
10.53
